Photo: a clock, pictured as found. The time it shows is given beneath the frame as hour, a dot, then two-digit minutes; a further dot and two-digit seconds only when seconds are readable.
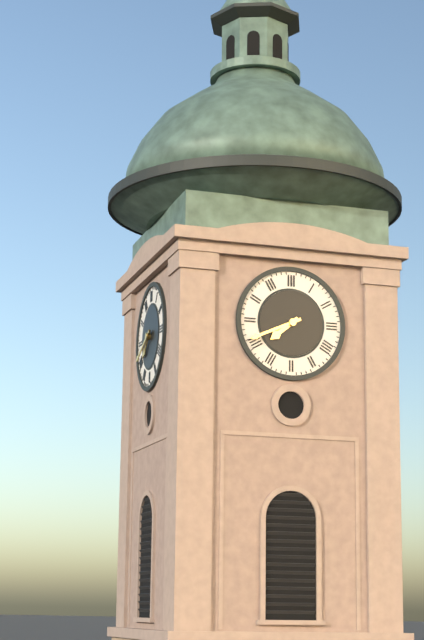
7.41
